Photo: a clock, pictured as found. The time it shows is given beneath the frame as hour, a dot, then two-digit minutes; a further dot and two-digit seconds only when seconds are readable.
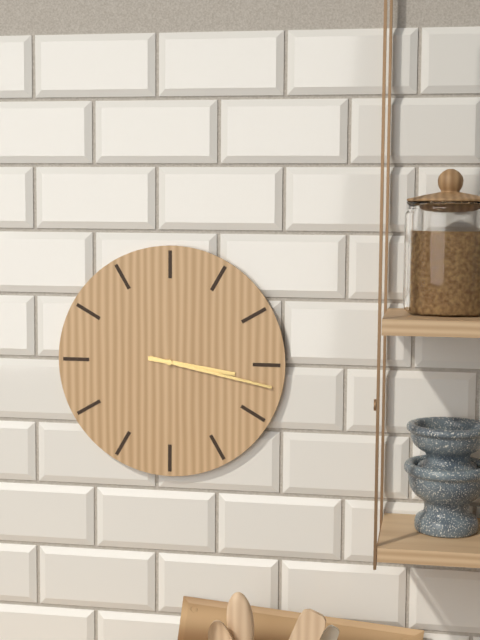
3.17
